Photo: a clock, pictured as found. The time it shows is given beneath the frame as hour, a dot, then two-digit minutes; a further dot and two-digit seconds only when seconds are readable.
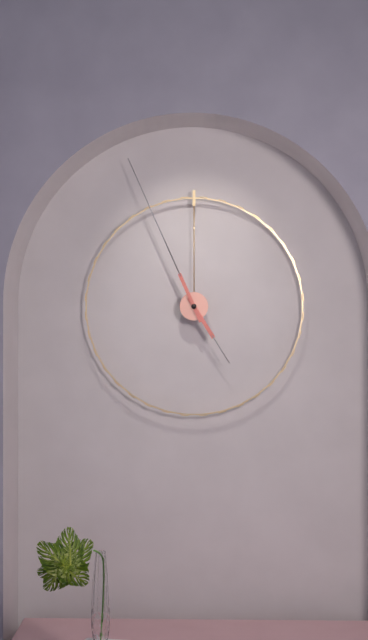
4.56
